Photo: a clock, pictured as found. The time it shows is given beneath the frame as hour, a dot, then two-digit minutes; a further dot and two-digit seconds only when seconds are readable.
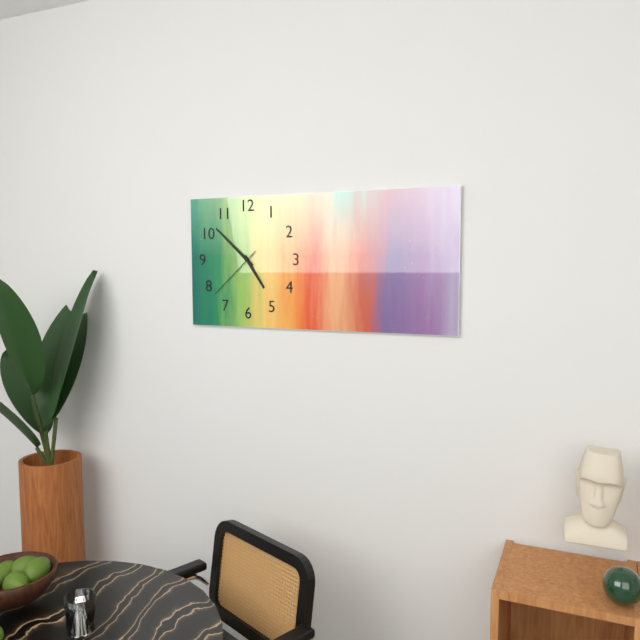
4.52.38
